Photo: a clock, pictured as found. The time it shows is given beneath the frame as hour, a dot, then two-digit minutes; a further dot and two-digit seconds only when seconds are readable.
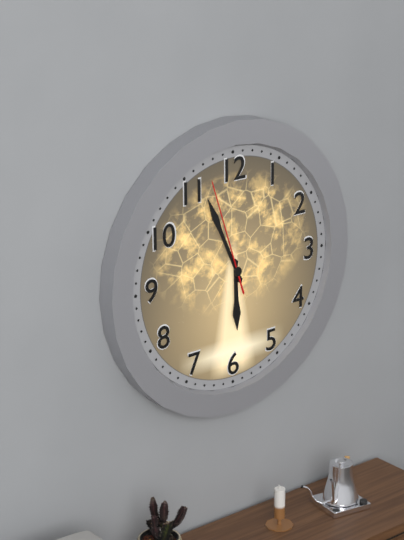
5.56.57
